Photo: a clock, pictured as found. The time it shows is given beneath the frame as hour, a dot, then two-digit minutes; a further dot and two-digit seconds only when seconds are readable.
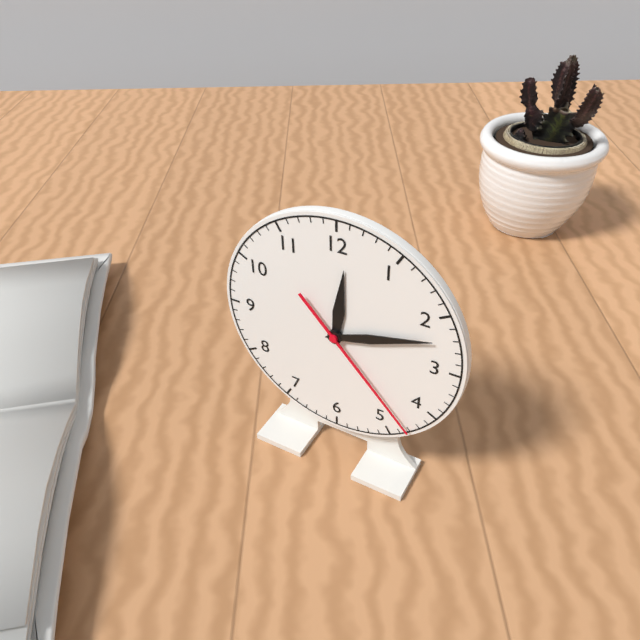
12.12.23
